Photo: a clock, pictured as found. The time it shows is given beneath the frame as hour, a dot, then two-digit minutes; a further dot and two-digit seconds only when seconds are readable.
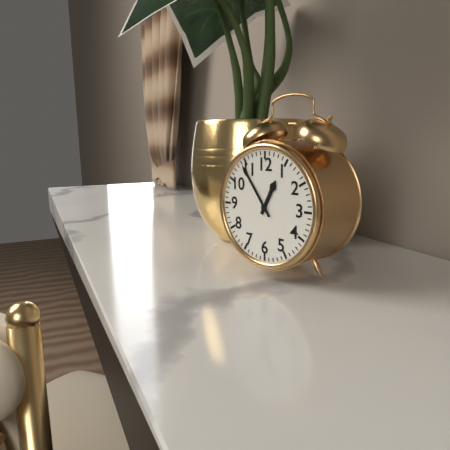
12.54
